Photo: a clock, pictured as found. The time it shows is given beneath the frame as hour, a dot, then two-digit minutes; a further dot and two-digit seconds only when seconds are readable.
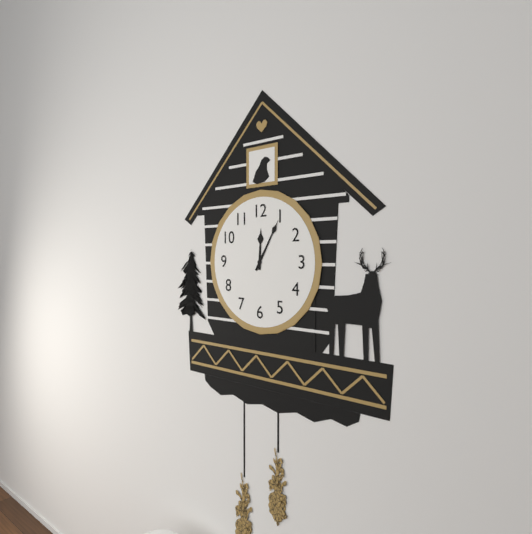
12.05
